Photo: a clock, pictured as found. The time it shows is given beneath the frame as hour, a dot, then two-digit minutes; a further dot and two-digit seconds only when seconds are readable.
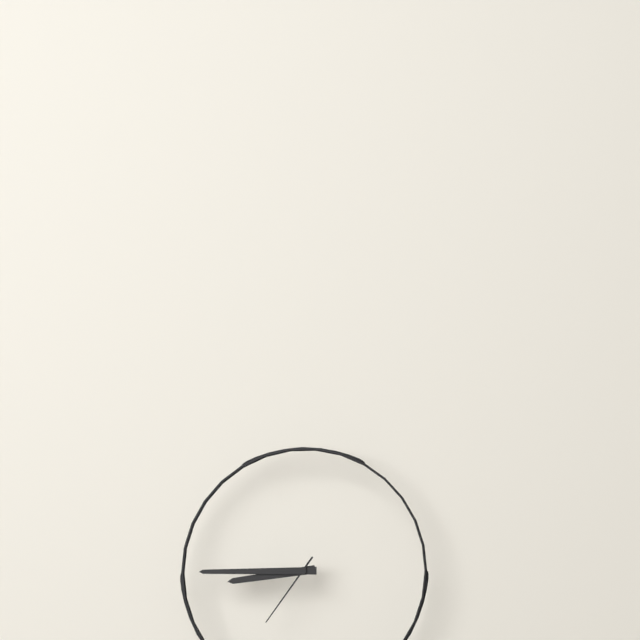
8.45.36
